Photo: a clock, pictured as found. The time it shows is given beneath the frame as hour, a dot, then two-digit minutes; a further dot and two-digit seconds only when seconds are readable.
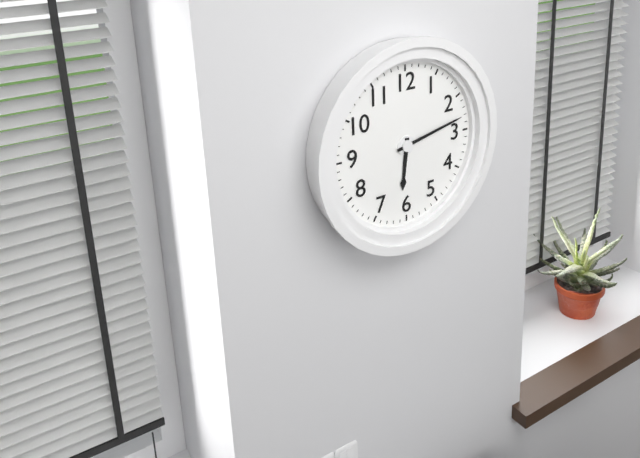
6.13
